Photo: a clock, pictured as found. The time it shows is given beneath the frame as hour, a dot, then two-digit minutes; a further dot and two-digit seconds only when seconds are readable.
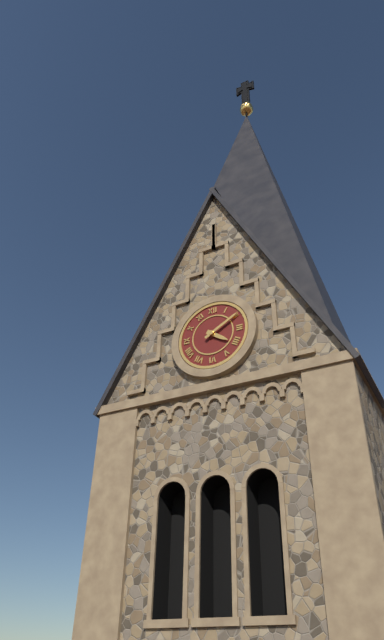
4.10
